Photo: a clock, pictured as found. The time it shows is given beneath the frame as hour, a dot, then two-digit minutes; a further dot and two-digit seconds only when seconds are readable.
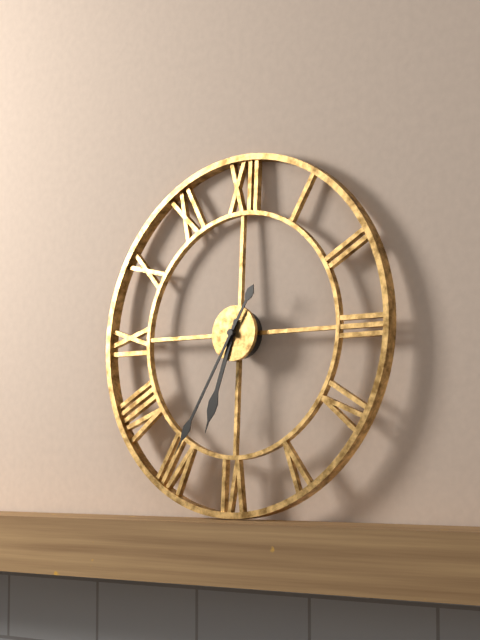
6.35
